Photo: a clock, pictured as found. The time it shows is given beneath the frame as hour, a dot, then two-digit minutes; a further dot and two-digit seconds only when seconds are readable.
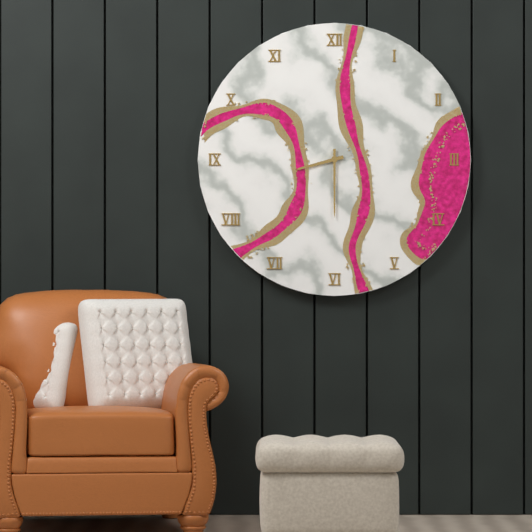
8.30
